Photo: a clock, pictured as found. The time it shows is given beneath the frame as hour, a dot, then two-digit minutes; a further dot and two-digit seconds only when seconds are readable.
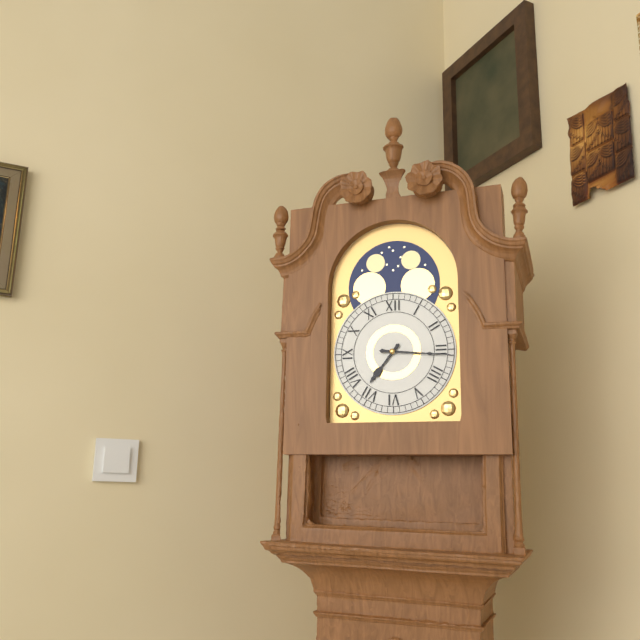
7.16
